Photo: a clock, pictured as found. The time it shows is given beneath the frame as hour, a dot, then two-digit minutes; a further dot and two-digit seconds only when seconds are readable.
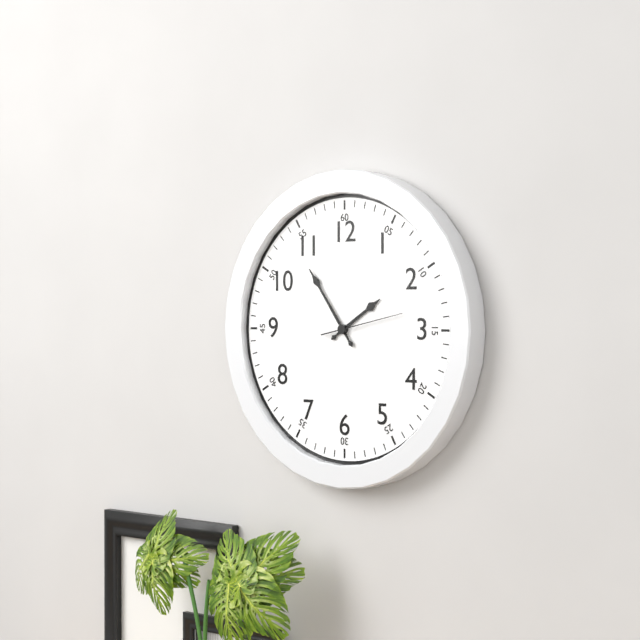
1.54.13
